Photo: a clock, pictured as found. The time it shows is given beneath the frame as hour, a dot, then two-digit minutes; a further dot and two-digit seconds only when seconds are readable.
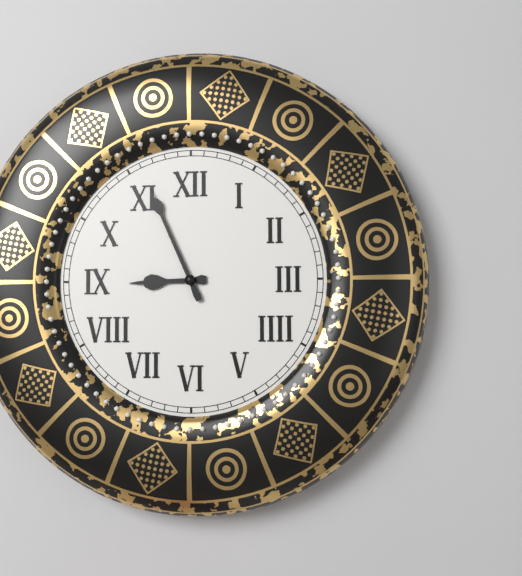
8.56
